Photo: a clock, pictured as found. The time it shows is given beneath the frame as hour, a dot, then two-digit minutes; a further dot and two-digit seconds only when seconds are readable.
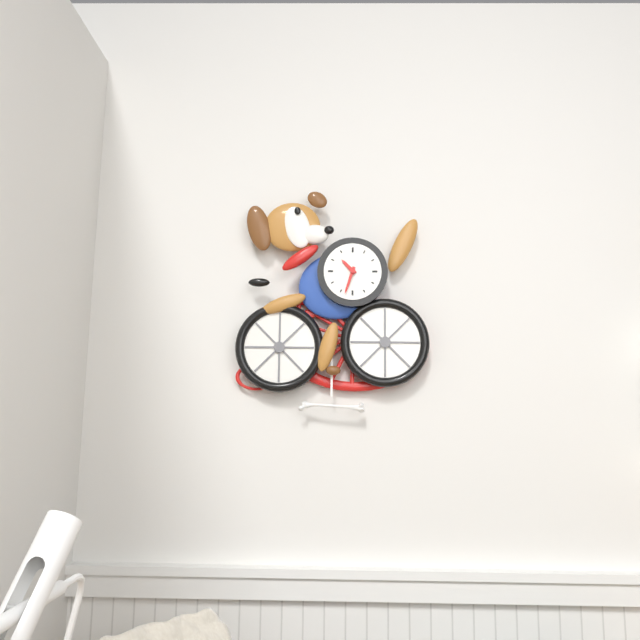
10.33
